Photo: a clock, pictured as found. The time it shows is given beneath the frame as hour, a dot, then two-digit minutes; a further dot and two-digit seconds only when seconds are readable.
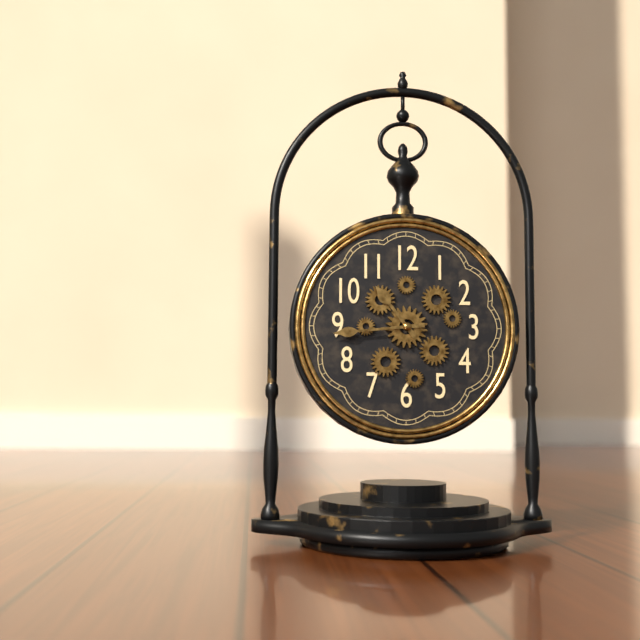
10.44
